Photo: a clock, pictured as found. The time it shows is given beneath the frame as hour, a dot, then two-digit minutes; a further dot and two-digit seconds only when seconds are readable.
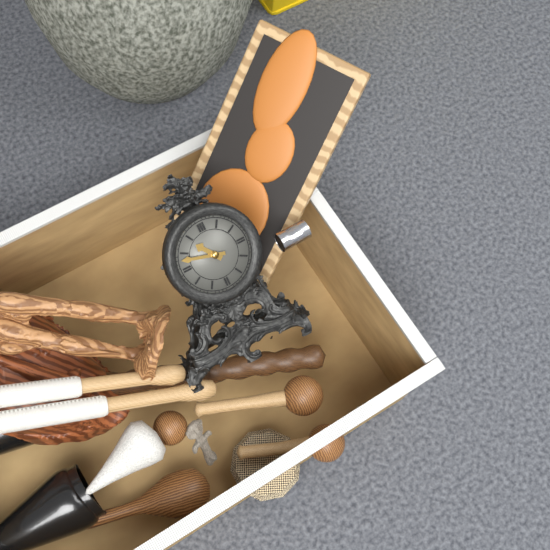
10.48
